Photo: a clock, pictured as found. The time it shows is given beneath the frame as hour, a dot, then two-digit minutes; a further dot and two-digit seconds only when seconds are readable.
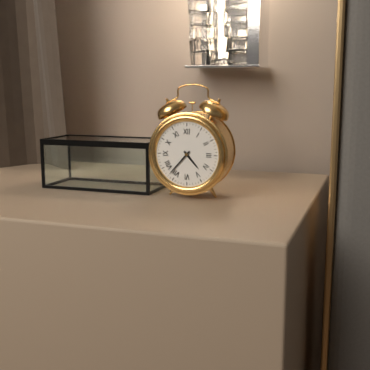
4.37
